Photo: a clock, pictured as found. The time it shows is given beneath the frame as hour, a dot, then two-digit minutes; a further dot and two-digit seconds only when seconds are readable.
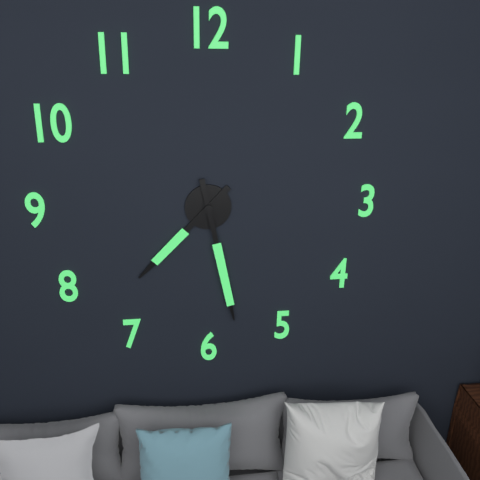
7.28
